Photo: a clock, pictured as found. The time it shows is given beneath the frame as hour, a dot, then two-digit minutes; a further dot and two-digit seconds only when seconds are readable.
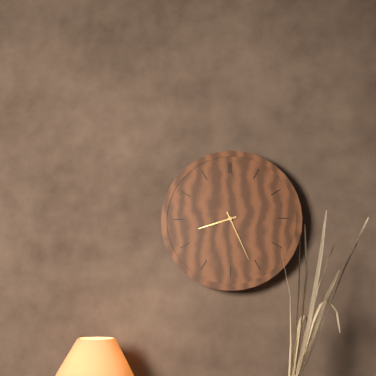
8.26
